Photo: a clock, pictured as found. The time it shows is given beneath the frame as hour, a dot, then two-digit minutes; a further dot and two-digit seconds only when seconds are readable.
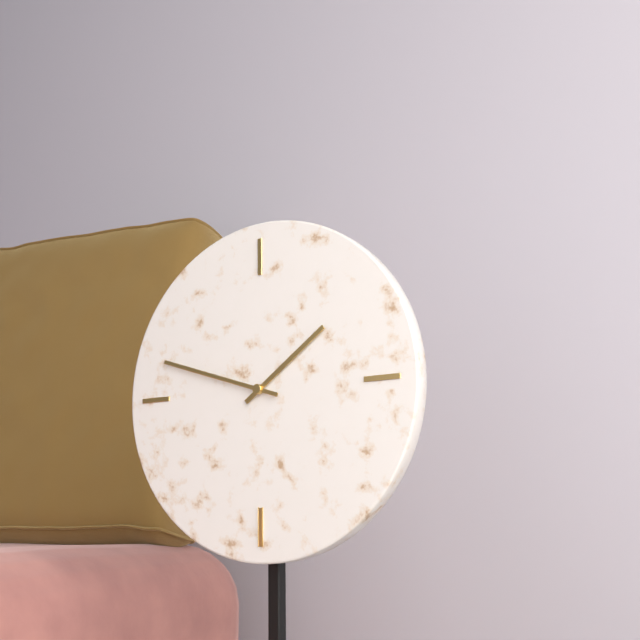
1.48
